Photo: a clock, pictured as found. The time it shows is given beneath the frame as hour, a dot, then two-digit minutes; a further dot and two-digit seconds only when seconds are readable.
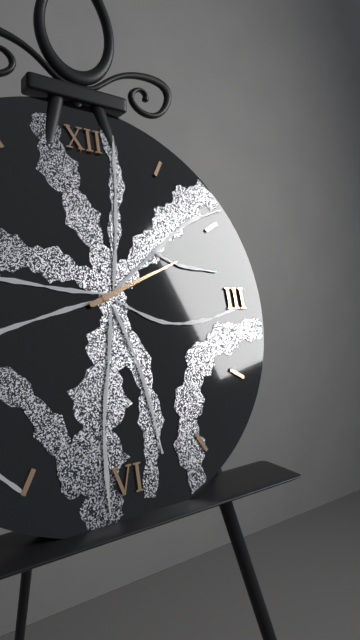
2.11
